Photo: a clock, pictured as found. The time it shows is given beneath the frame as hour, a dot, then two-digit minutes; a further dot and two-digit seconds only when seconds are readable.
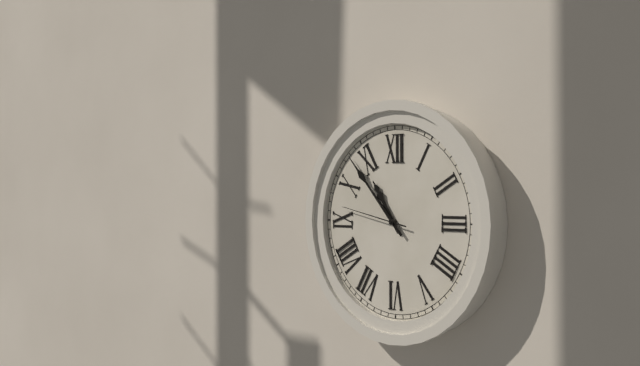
10.53.47
